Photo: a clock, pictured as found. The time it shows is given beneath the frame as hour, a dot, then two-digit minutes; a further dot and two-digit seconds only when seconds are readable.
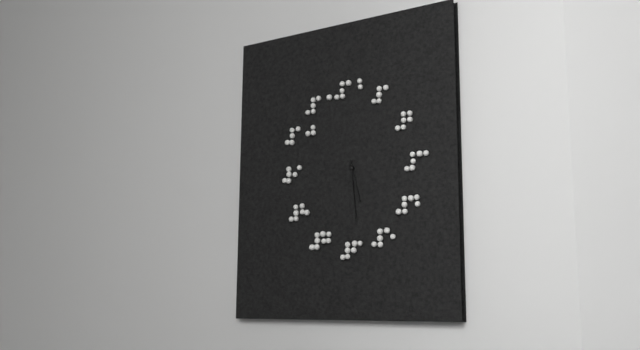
5.29
